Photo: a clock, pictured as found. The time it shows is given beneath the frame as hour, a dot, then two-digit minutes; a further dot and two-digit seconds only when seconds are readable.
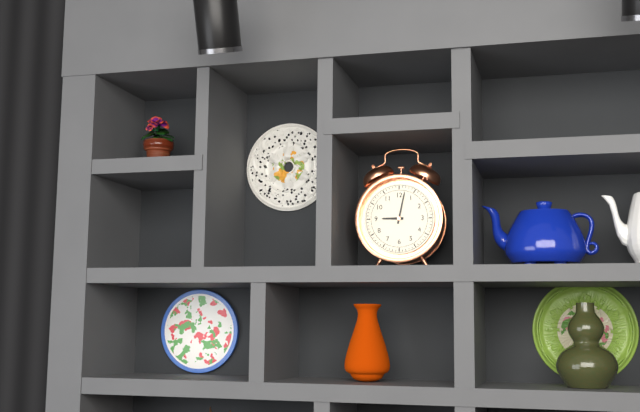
9.02
